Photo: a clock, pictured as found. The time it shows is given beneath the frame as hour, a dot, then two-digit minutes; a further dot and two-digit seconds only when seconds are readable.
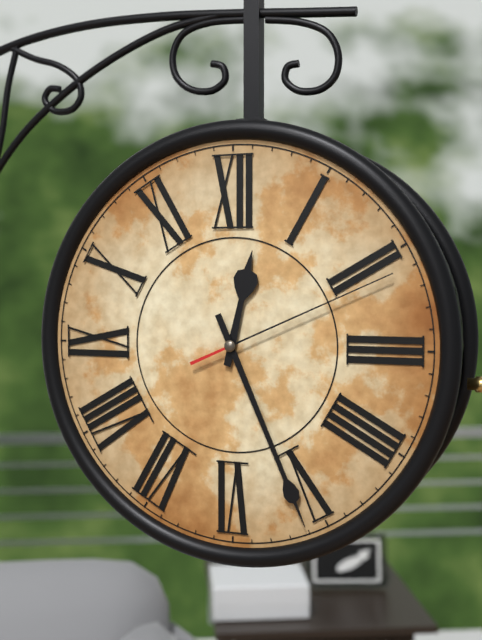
12.26.11
